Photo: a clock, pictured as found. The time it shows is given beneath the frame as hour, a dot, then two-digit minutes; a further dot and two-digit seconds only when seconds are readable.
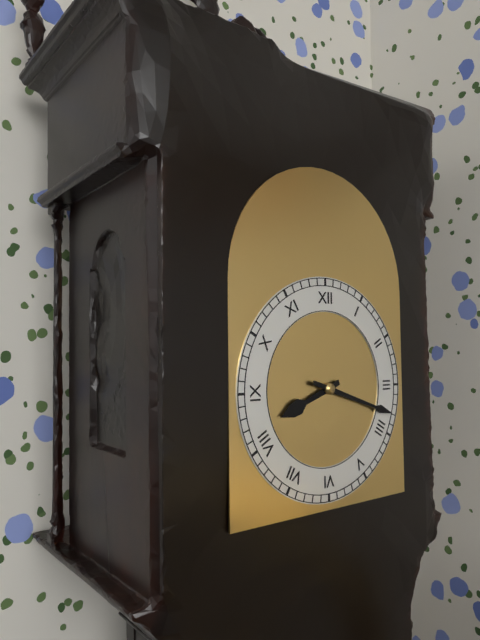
8.18
